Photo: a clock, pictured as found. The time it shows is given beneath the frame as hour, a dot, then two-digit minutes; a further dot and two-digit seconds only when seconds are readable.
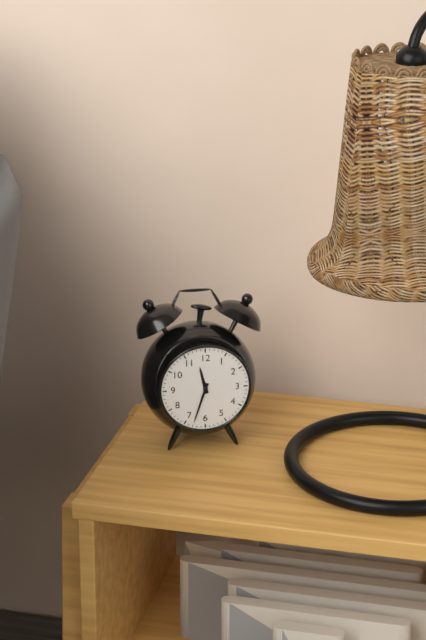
11.33
